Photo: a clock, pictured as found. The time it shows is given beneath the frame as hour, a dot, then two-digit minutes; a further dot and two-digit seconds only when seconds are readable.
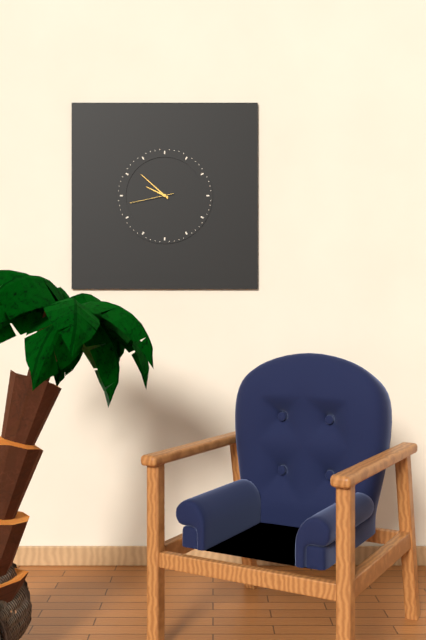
9.52
